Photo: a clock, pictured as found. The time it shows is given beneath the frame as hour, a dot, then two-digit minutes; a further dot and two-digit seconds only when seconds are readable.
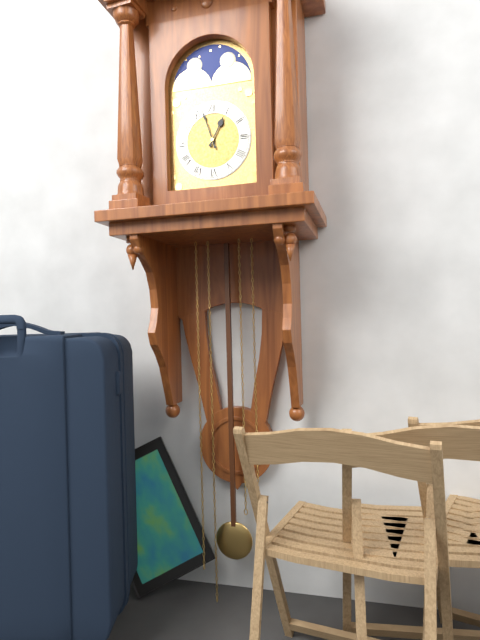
12.57
